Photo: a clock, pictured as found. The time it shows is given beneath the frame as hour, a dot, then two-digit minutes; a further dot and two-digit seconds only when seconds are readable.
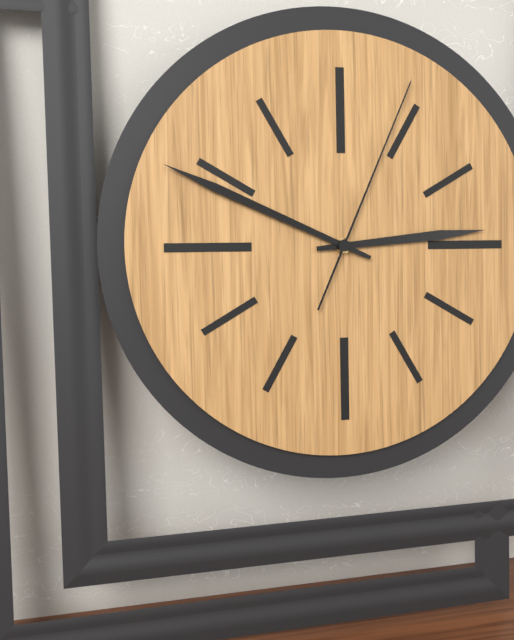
2.49.04
